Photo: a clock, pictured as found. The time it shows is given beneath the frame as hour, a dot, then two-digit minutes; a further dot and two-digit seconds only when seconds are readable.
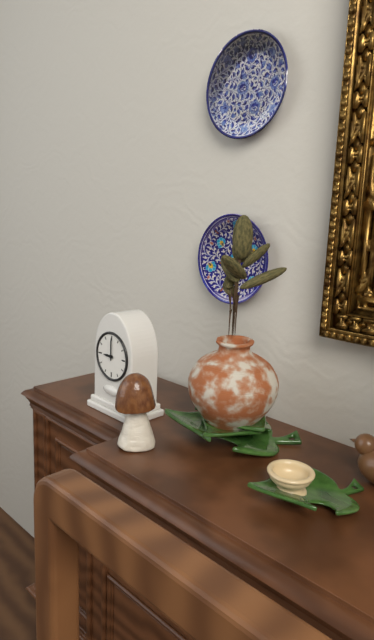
9.00
